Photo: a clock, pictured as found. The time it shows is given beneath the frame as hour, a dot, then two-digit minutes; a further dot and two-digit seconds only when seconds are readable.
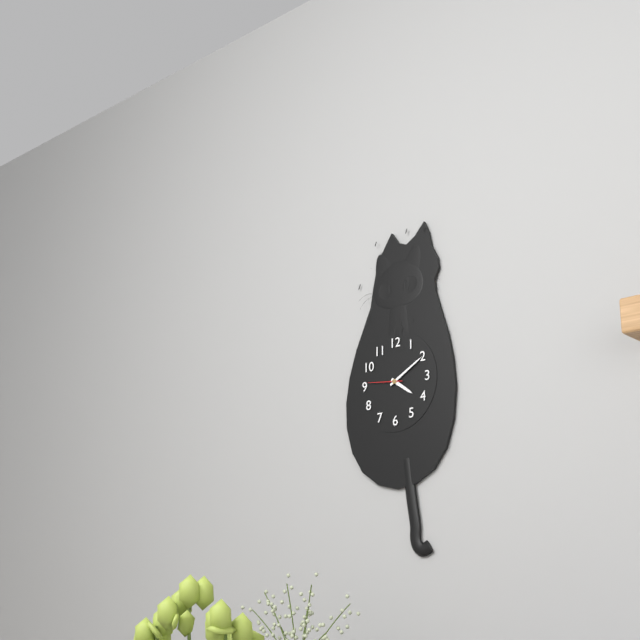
4.10
